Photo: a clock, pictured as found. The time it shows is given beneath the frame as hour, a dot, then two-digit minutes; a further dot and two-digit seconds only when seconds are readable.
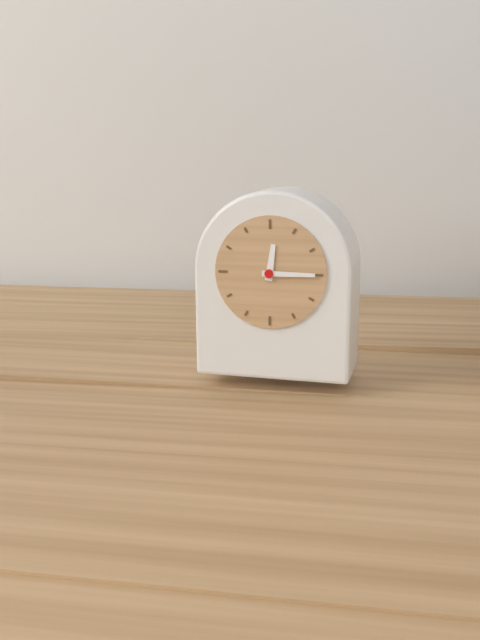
12.15
